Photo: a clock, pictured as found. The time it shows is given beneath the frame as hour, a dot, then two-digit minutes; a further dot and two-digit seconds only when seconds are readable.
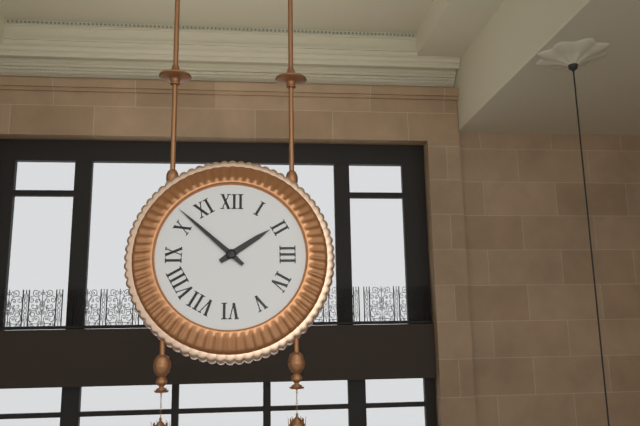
1.52
